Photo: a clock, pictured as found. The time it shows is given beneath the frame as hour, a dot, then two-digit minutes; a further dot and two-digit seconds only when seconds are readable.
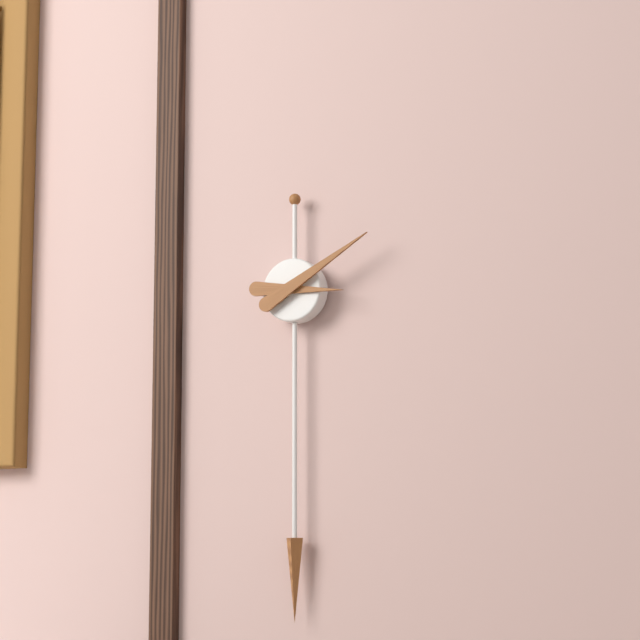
3.10
